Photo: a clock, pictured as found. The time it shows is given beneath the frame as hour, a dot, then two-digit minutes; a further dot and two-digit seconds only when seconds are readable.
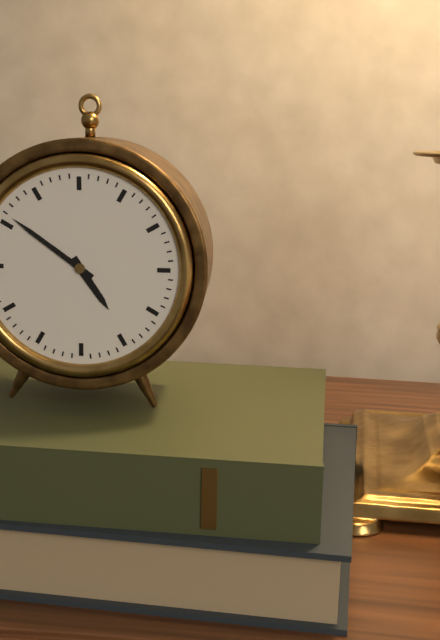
4.51
